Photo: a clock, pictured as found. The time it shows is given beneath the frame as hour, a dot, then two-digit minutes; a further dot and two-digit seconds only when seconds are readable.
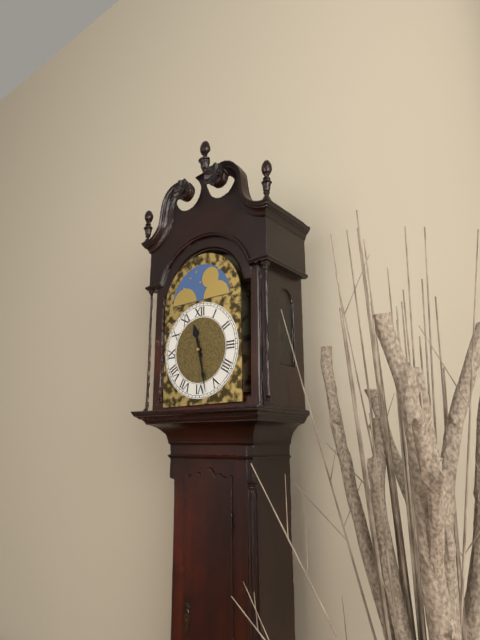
11.28
